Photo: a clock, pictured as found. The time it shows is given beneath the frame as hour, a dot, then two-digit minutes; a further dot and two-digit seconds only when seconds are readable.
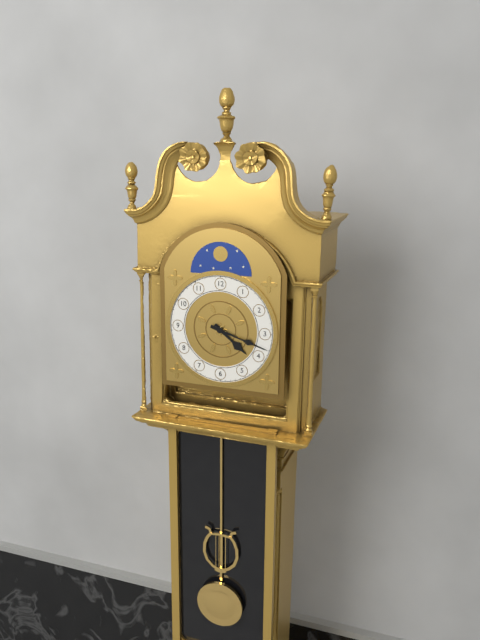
4.18
